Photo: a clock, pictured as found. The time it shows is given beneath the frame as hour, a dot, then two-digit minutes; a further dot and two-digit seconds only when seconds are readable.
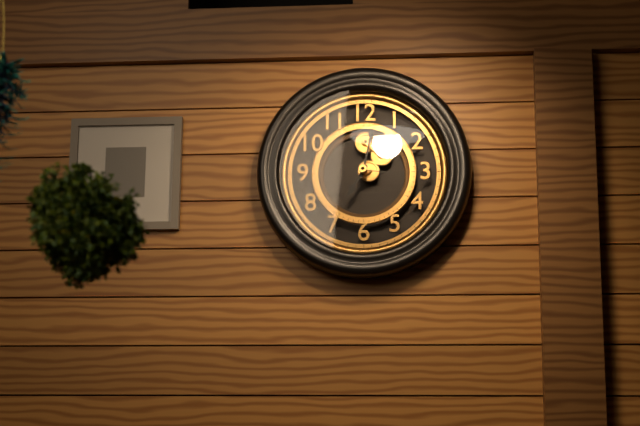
7.02.16
